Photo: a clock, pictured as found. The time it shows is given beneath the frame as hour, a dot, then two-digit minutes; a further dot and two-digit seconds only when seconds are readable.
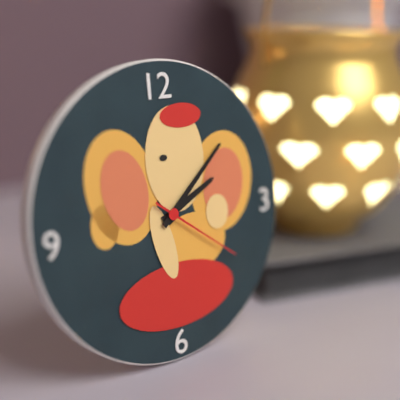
2.08.21
